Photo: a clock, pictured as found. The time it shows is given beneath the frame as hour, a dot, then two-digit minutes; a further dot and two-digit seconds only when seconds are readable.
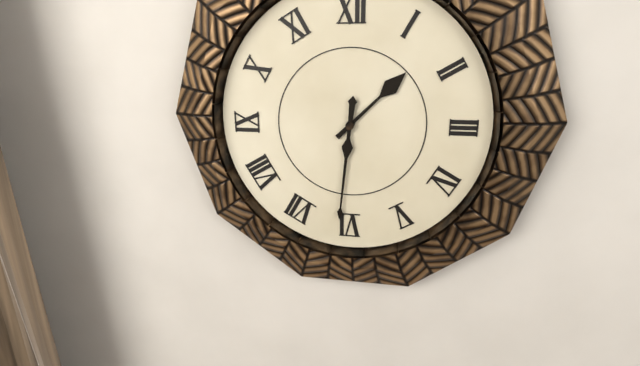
1.31
